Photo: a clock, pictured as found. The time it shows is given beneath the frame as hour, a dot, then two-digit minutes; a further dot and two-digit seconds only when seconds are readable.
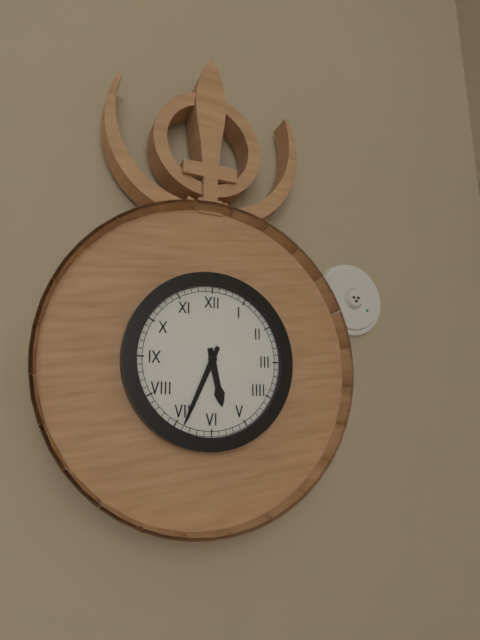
5.34
